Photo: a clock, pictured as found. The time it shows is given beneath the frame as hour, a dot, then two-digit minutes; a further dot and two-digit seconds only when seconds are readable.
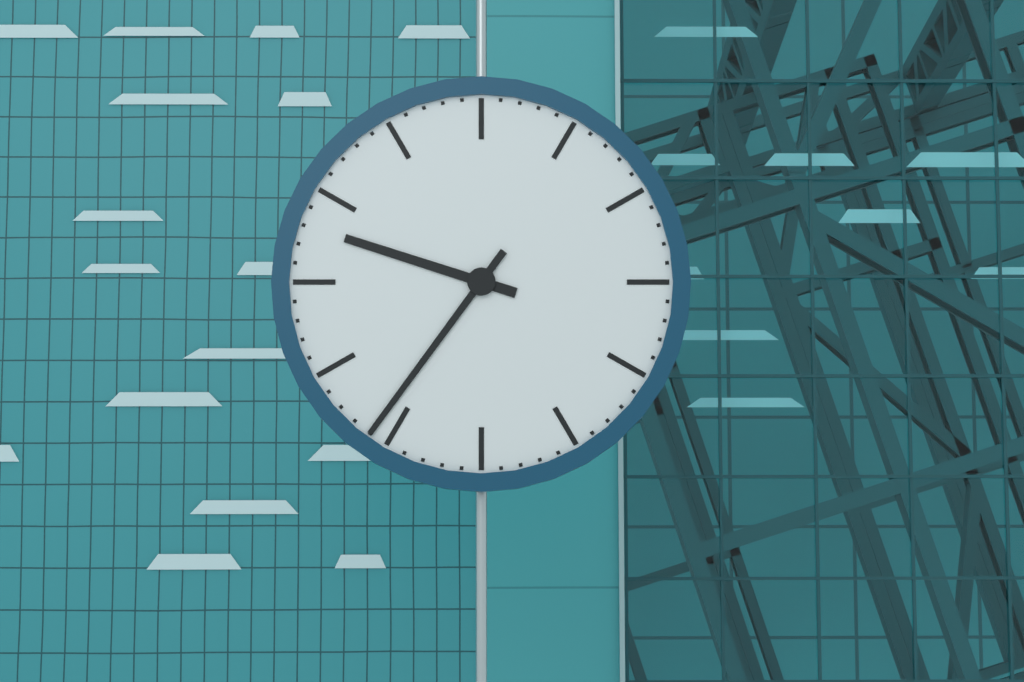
9.36
